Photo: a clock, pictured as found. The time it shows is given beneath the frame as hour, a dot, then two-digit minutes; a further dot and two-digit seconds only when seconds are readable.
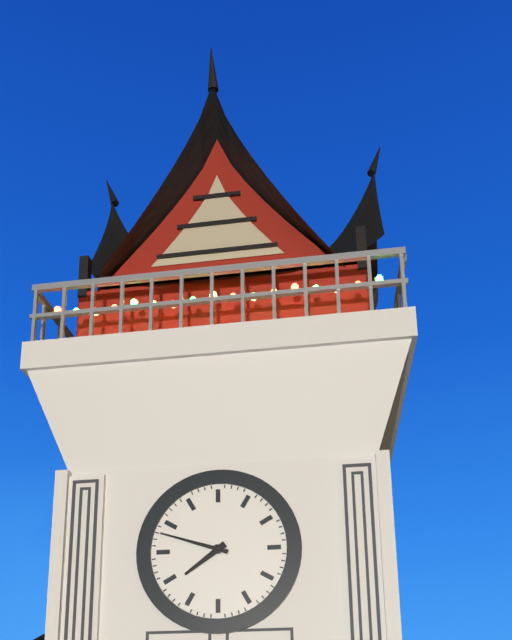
7.48
